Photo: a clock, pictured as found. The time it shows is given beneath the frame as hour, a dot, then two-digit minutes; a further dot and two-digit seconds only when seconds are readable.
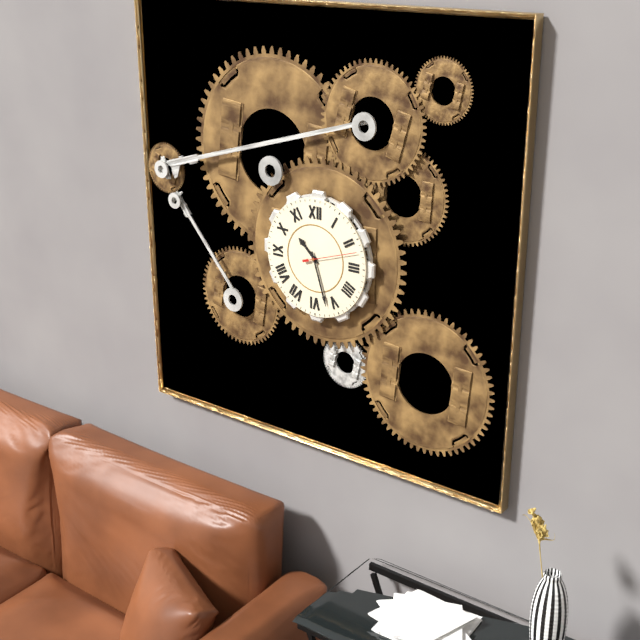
10.27.12
